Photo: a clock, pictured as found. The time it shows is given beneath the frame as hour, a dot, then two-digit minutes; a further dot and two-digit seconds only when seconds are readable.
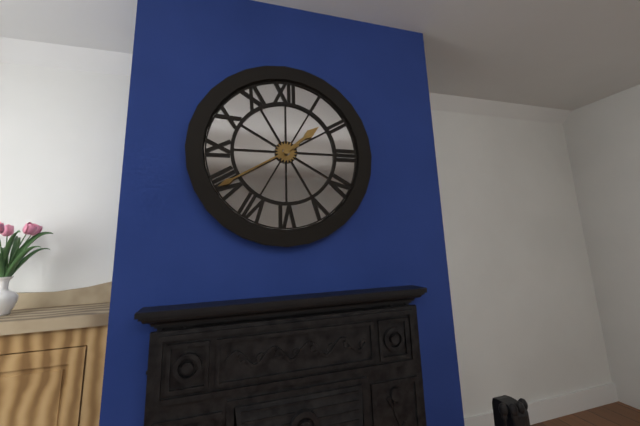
1.40
